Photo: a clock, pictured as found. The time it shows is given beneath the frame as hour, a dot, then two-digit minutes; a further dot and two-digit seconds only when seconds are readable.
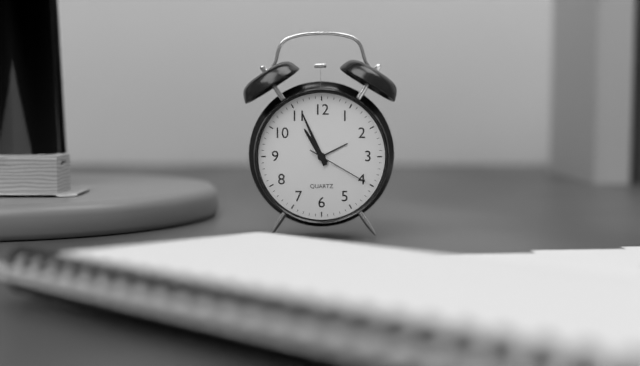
10.56.20
